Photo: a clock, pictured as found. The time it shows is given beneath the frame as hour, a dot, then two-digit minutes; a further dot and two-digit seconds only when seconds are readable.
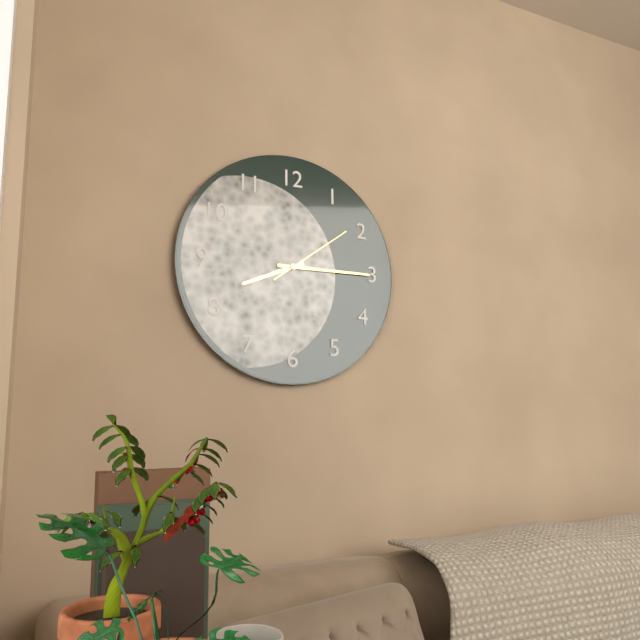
8.15.09
